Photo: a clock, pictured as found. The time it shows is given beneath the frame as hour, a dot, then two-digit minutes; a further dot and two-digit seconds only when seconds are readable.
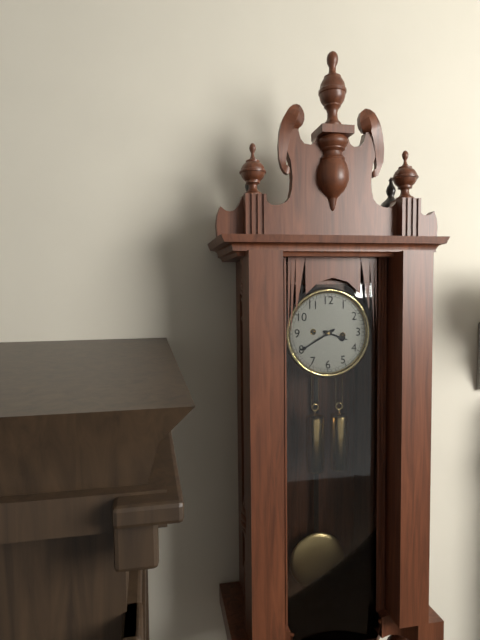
3.40
